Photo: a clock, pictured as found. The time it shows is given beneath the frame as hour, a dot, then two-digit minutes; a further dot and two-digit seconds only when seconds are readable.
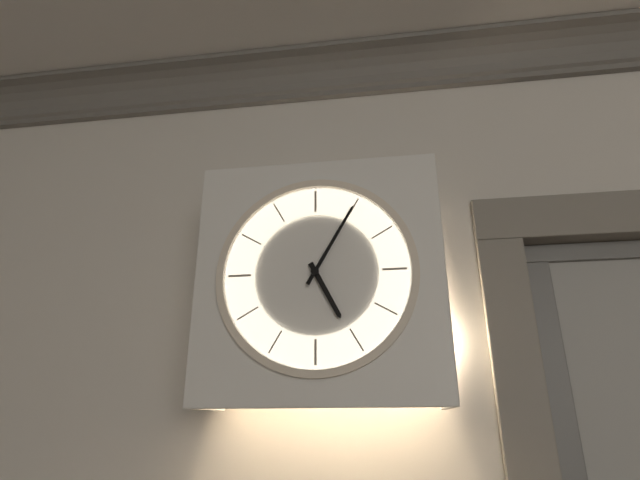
5.05
